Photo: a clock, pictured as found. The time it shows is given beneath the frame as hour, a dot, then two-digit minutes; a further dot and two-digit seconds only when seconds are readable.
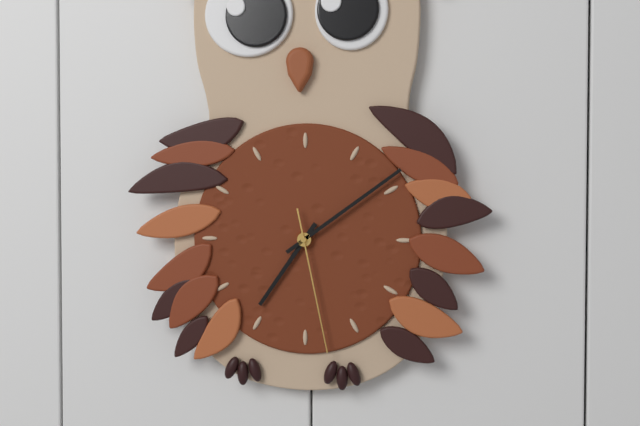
7.09.28
